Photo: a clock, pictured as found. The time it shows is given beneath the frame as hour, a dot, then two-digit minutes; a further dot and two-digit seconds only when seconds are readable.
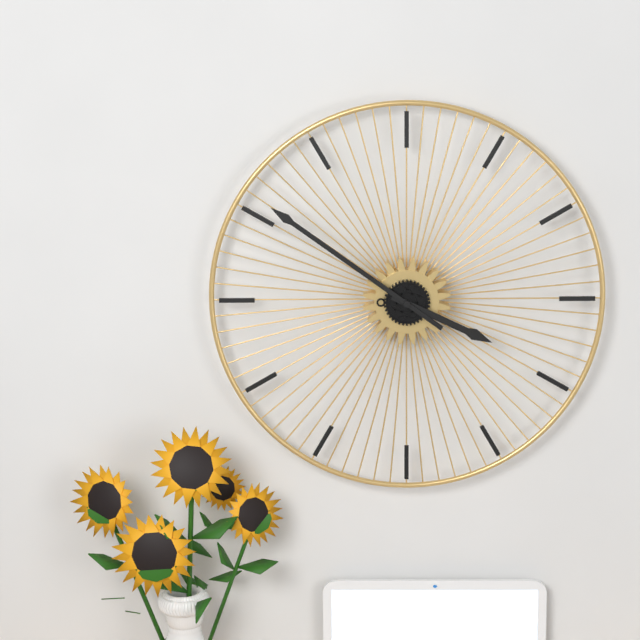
3.51
